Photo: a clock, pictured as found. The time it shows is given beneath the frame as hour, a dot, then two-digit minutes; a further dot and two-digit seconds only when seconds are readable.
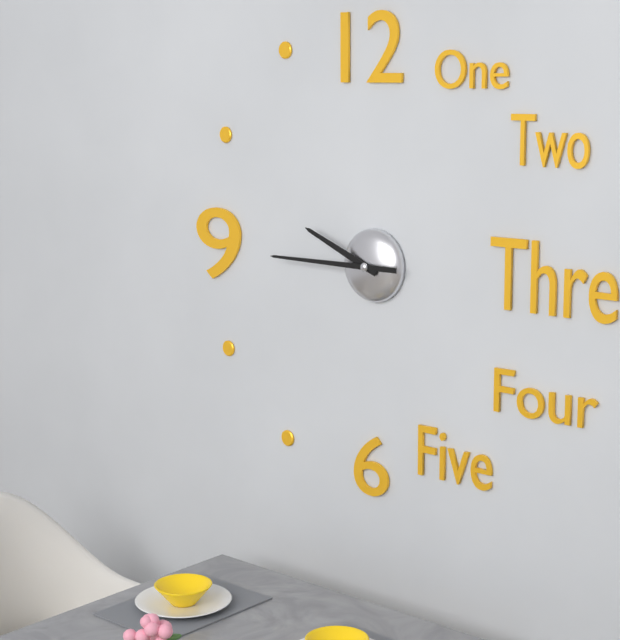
9.45
